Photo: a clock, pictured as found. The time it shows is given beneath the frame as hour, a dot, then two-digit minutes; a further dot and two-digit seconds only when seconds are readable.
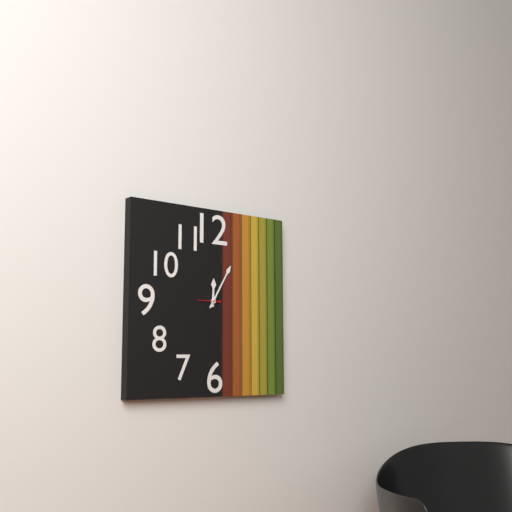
12.05
